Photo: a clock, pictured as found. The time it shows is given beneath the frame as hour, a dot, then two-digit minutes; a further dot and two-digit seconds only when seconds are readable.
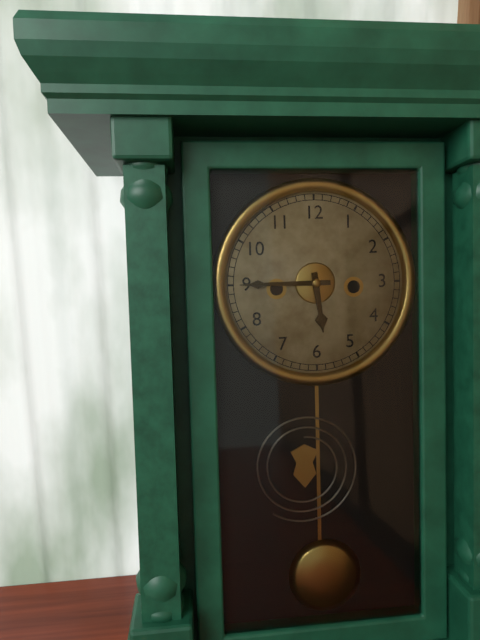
5.45
